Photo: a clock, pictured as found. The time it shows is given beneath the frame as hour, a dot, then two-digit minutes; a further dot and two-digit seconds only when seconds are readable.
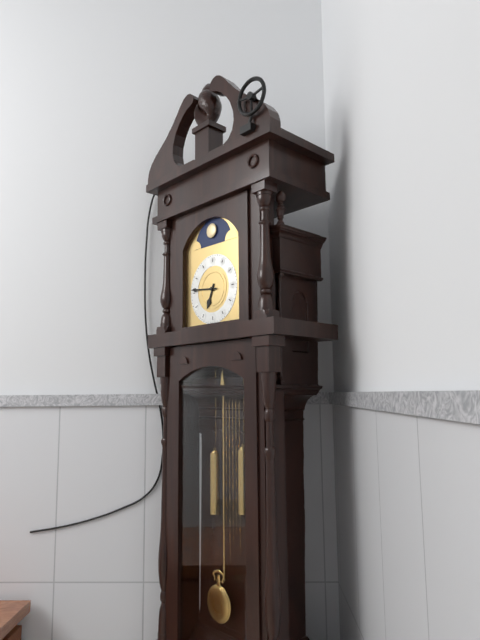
6.46
